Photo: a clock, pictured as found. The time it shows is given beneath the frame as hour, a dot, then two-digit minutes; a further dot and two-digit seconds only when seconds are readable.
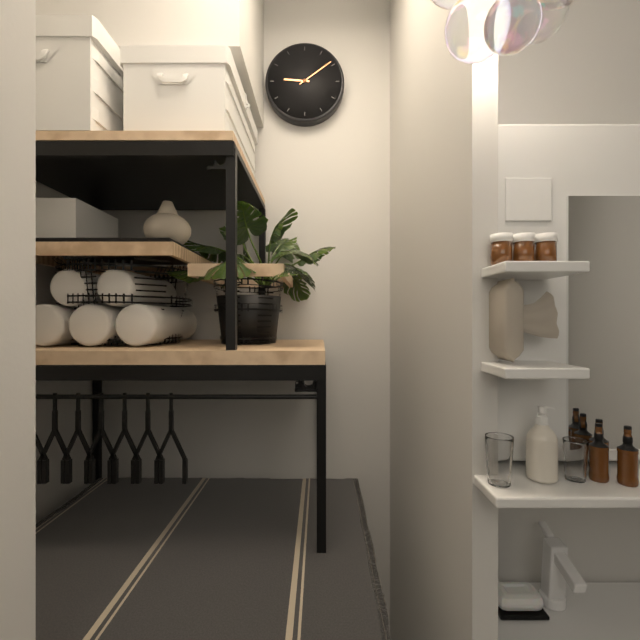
9.09
